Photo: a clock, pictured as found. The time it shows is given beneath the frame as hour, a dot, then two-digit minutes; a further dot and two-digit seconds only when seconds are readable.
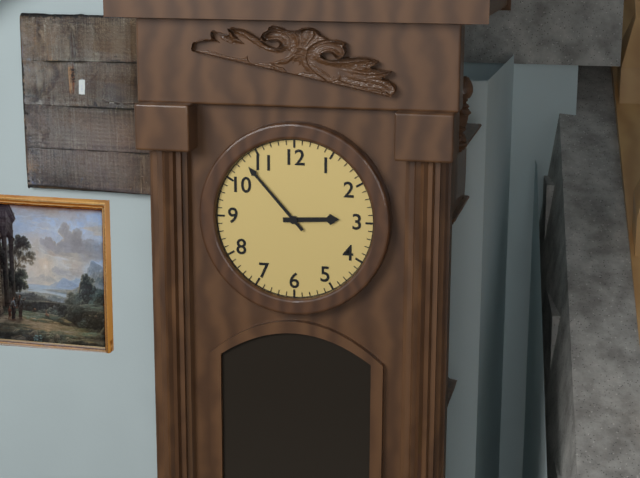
2.53
